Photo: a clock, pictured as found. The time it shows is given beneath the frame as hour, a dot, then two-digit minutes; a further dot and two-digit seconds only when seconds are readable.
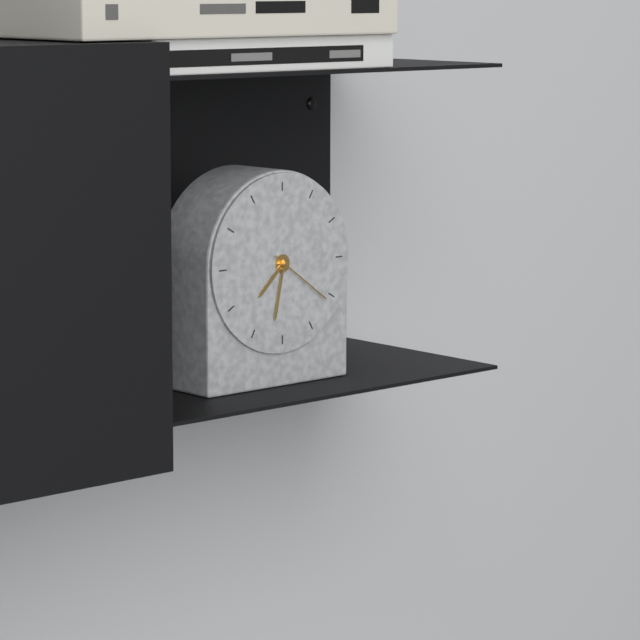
7.32.21
